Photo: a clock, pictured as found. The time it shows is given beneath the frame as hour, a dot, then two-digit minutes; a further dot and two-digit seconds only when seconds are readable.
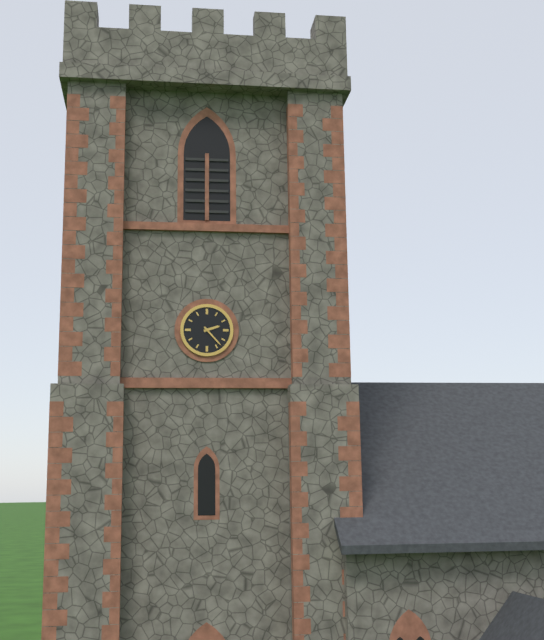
2.23
